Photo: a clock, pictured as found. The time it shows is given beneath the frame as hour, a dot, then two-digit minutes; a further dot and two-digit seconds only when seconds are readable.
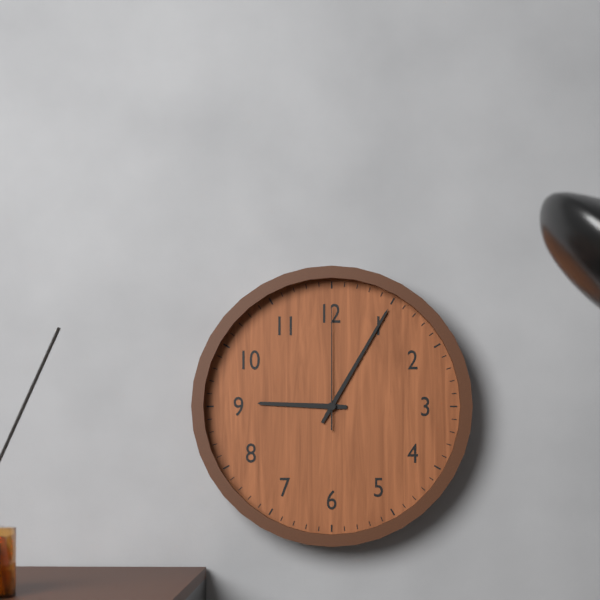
9.05.00
